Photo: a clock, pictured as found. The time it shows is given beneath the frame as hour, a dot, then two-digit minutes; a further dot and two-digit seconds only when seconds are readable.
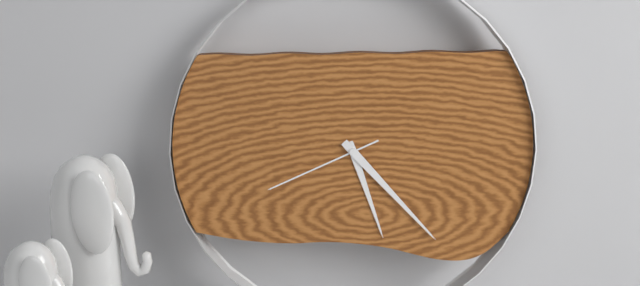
5.23.41
